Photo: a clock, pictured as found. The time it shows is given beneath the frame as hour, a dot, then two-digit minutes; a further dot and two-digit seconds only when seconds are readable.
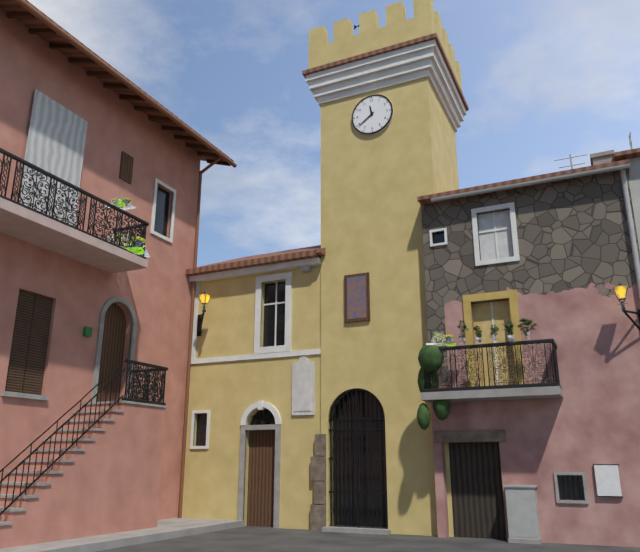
11.39
